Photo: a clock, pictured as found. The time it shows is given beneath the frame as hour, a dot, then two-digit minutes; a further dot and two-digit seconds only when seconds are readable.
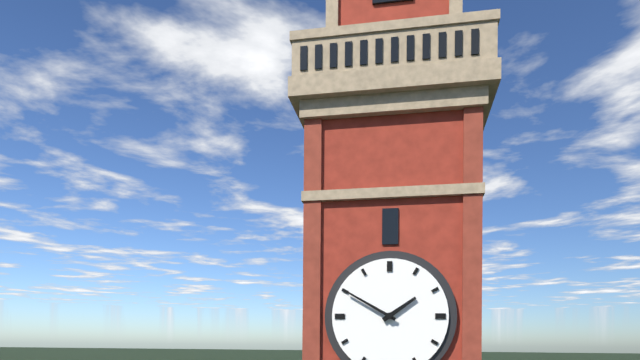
1.50
